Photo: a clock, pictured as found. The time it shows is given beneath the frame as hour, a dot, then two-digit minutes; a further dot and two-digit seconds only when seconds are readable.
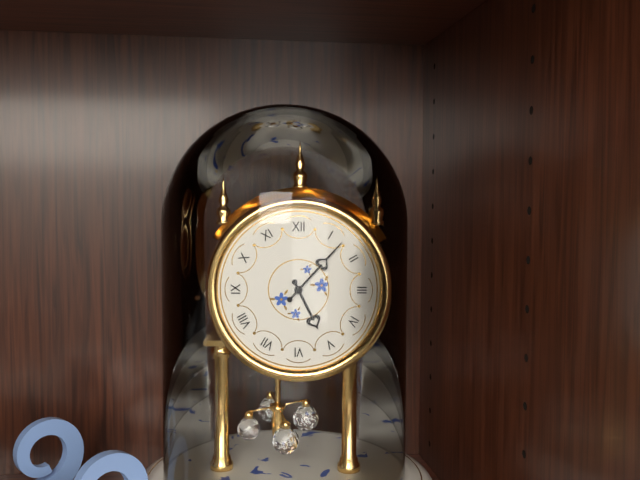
5.07
